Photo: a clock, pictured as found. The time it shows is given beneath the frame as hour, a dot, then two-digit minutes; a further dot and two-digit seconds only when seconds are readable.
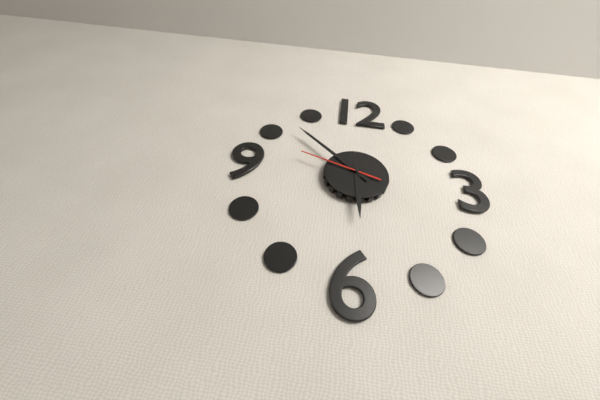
5.52.48
